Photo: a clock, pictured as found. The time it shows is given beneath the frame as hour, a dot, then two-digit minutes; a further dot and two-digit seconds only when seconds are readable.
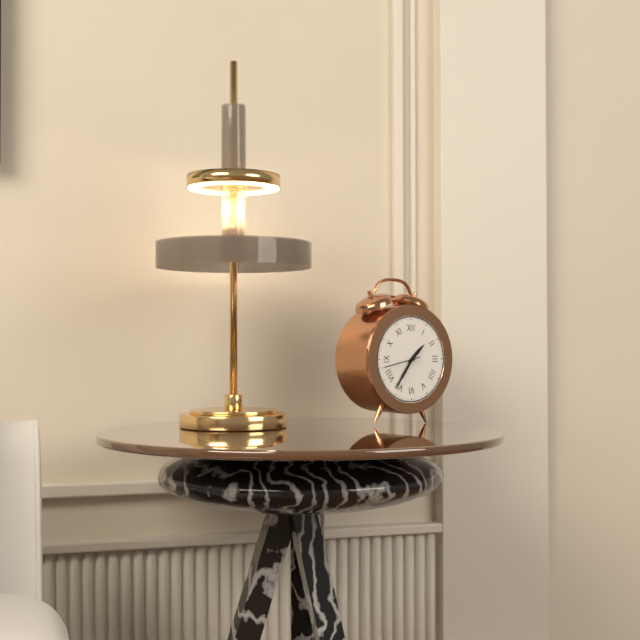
1.36
